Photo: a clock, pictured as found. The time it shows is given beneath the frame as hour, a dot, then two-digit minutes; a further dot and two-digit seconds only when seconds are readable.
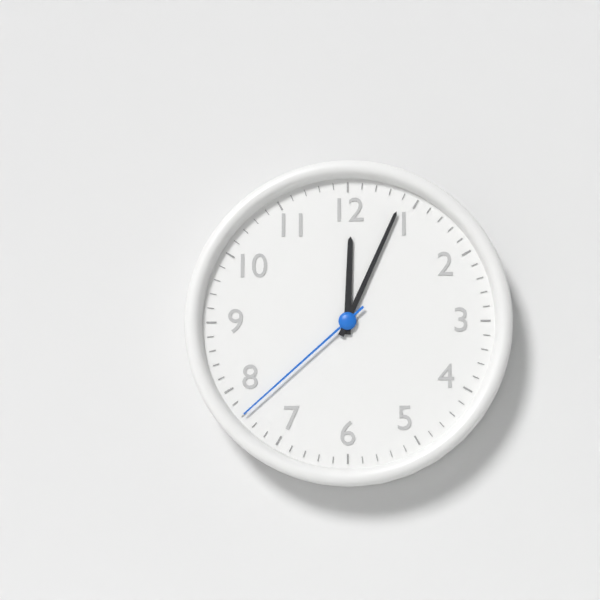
12.04.38
